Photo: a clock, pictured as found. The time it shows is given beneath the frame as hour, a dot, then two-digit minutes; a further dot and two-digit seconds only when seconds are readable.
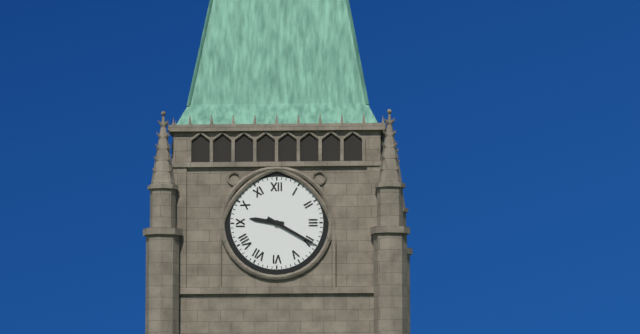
9.20
